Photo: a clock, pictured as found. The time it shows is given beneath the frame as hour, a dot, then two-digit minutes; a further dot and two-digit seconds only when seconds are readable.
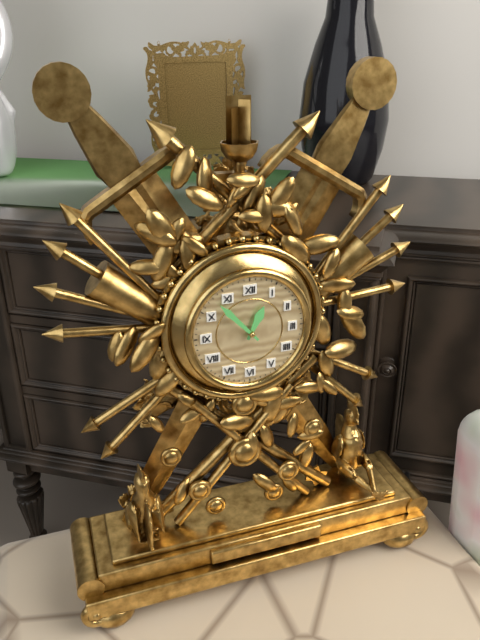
12.53
